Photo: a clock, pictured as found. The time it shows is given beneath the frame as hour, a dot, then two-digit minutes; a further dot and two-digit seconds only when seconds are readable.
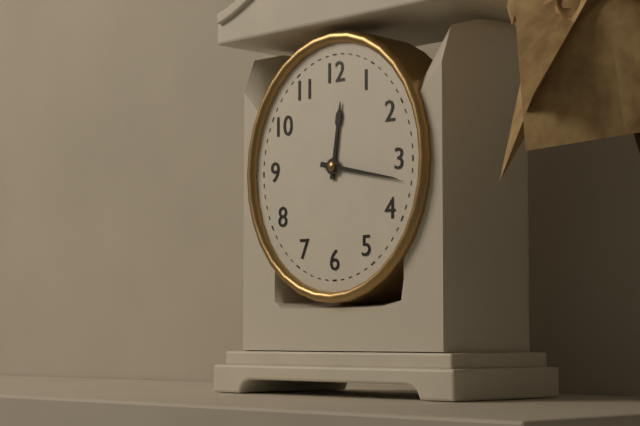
12.17
